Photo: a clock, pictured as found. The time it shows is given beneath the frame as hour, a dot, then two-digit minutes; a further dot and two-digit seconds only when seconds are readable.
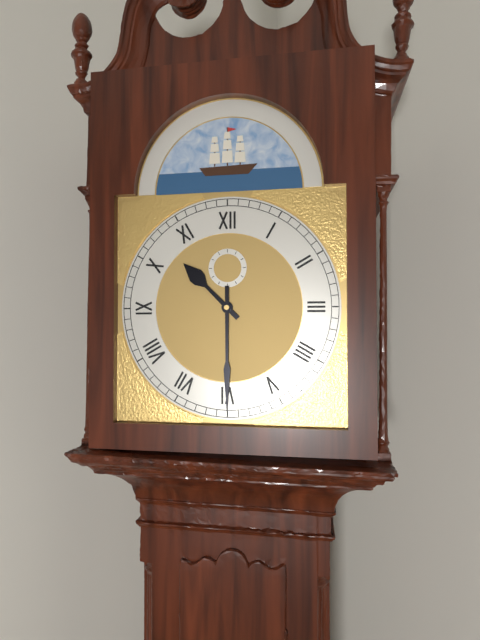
10.30
